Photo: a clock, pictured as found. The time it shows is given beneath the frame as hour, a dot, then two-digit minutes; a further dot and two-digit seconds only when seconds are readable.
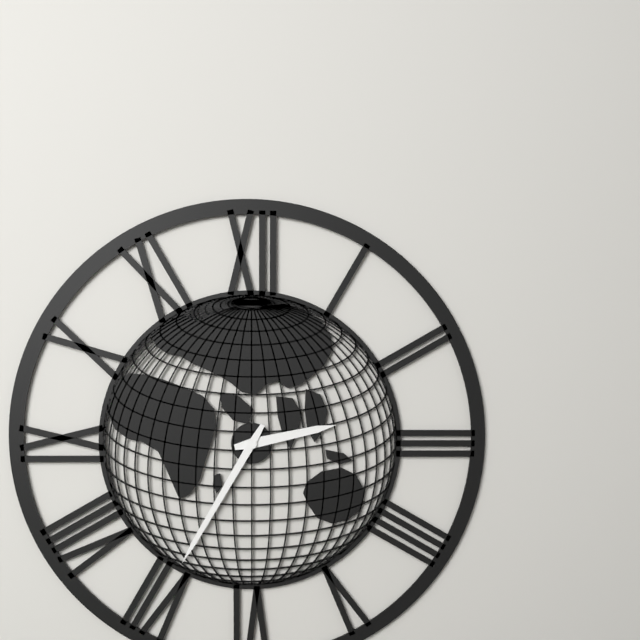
2.35
